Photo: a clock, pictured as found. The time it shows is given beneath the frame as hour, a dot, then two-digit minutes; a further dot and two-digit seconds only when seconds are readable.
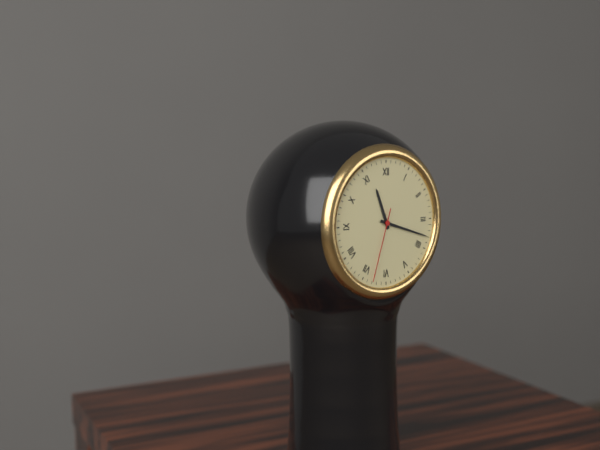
11.18.33
